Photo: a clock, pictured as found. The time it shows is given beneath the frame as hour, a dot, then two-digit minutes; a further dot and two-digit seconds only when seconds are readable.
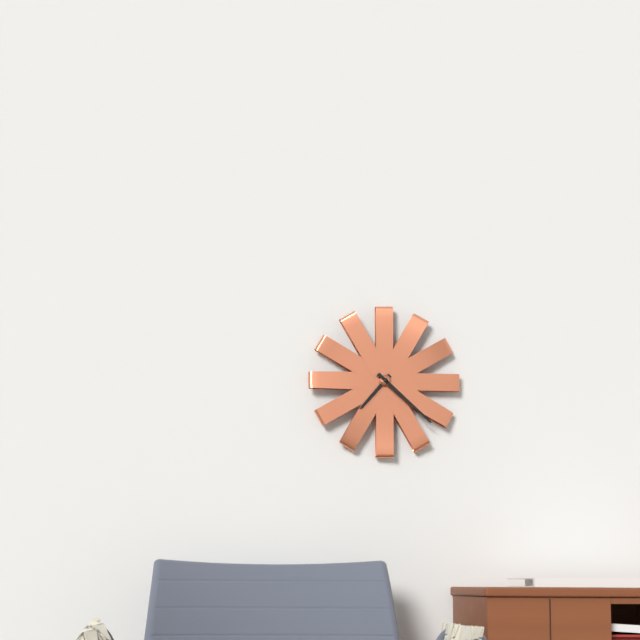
7.22
